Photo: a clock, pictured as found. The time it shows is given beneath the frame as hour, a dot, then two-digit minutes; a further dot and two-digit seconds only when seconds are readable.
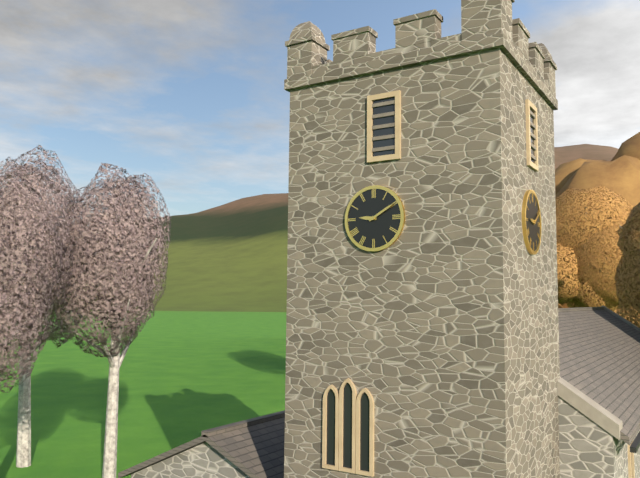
9.10
